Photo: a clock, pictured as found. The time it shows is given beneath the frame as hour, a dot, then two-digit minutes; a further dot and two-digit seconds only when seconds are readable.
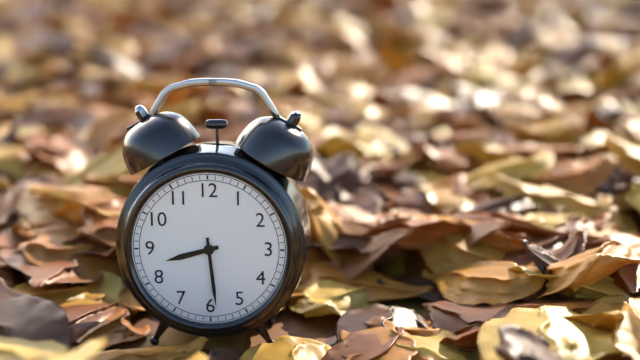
8.29
